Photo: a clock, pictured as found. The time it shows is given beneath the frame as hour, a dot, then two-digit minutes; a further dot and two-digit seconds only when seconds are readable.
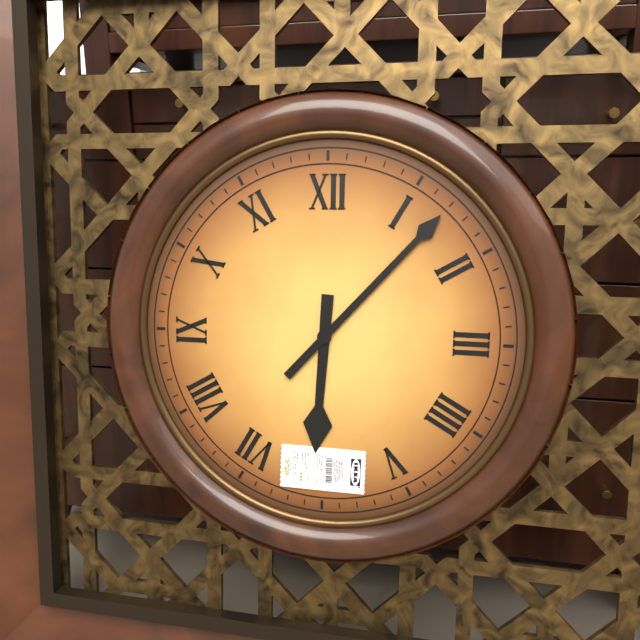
6.07
